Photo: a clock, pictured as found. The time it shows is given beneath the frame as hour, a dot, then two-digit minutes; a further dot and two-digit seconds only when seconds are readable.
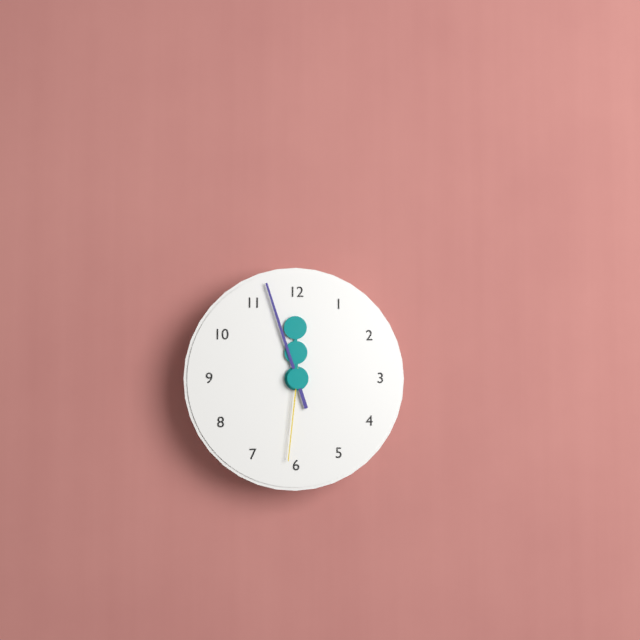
11.57.31
